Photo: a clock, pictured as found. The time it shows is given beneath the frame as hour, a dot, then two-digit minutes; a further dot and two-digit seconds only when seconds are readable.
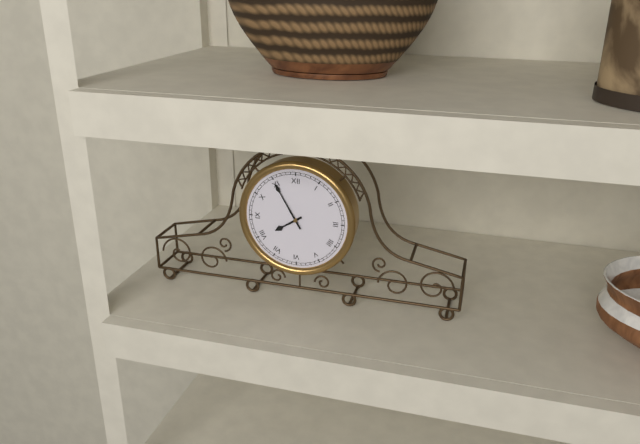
7.55
